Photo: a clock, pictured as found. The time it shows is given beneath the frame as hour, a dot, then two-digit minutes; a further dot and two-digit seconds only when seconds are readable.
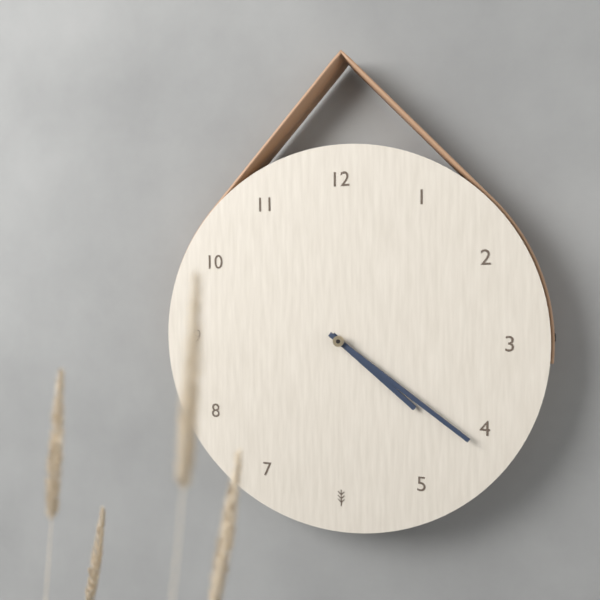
4.21
